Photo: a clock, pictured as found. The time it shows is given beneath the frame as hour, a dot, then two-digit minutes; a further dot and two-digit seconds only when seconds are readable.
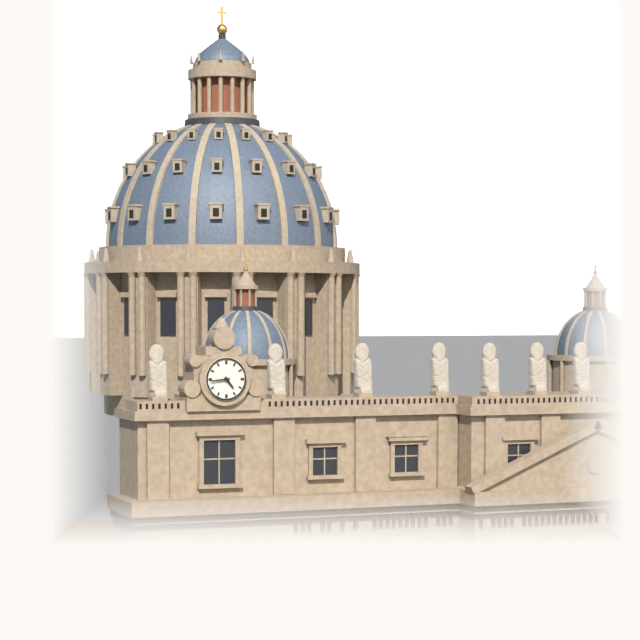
4.44
